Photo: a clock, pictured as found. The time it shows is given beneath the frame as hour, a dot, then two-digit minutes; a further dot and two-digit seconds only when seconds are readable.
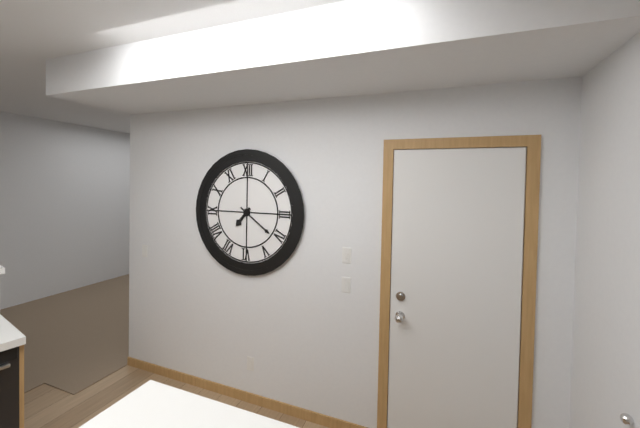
7.21
